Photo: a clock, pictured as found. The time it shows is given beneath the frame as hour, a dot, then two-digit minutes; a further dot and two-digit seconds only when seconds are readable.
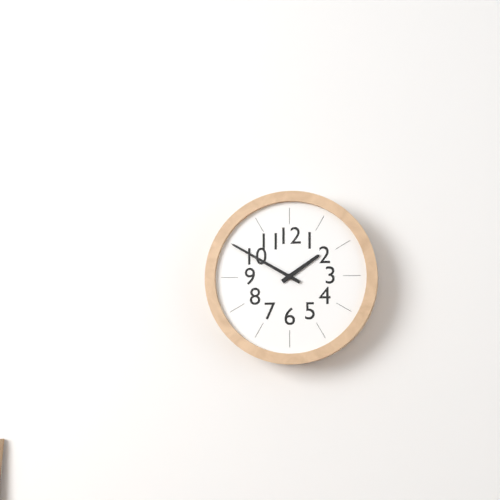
1.50
